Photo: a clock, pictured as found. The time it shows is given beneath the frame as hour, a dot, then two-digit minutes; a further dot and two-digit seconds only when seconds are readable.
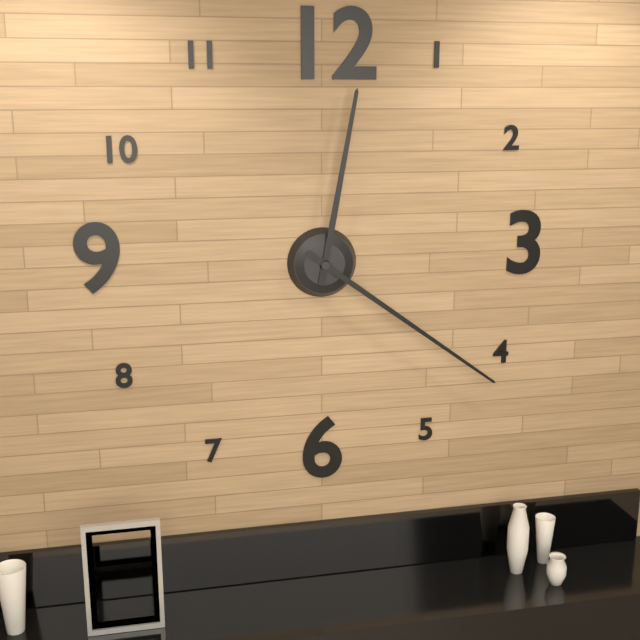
12.21
